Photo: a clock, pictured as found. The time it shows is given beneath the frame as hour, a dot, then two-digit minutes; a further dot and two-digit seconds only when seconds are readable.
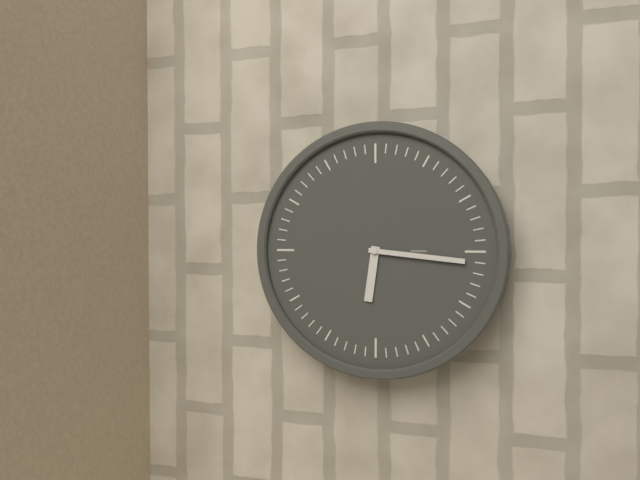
6.16
